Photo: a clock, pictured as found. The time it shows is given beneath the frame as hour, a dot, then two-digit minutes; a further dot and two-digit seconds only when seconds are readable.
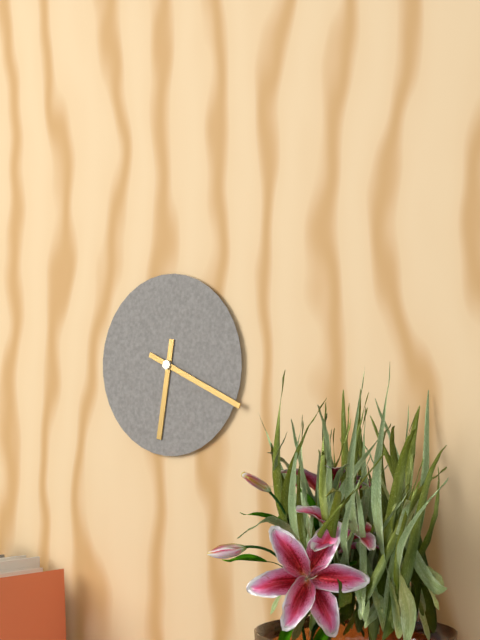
6.19
